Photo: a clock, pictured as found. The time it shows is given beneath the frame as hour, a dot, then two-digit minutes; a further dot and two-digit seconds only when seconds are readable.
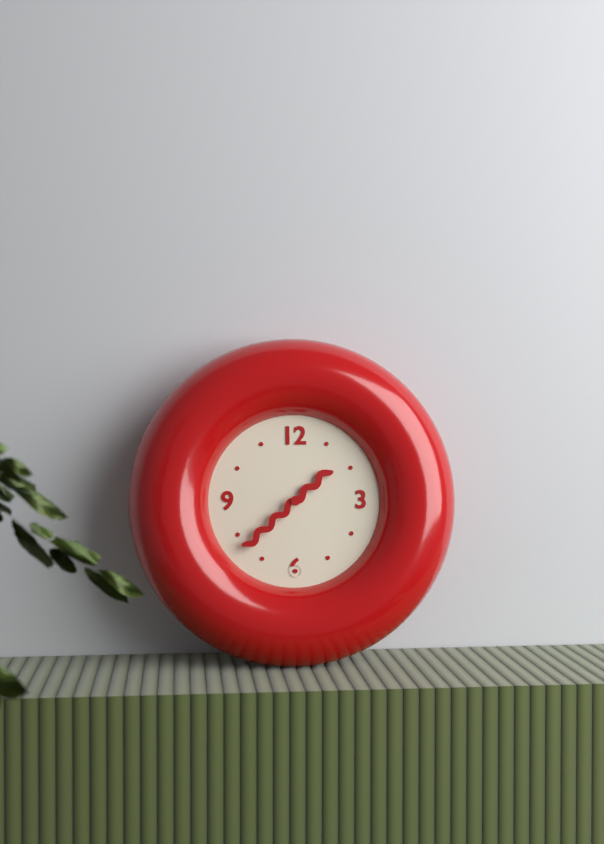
1.38
